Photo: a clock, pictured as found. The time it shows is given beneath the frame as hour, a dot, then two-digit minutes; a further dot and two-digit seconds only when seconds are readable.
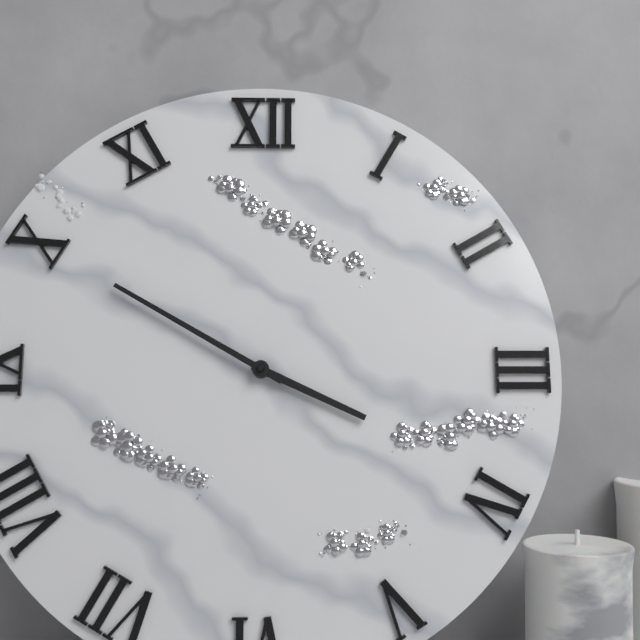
3.50
